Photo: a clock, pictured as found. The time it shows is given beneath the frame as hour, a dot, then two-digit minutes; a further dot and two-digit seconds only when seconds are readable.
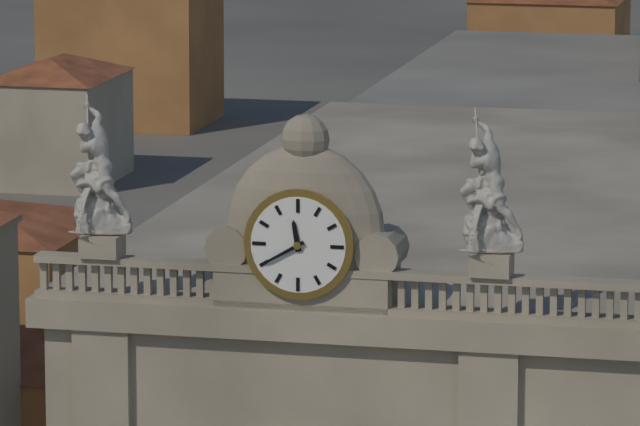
11.40
